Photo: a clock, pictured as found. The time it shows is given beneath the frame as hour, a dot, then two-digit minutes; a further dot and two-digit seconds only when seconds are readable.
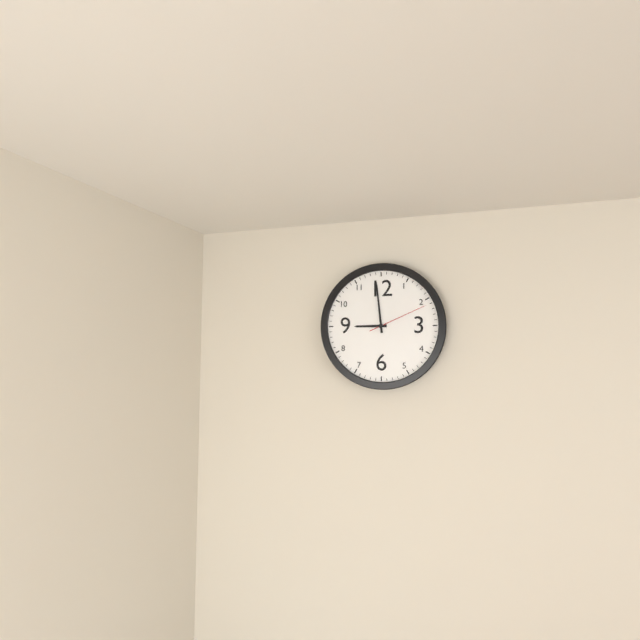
8.59.11
